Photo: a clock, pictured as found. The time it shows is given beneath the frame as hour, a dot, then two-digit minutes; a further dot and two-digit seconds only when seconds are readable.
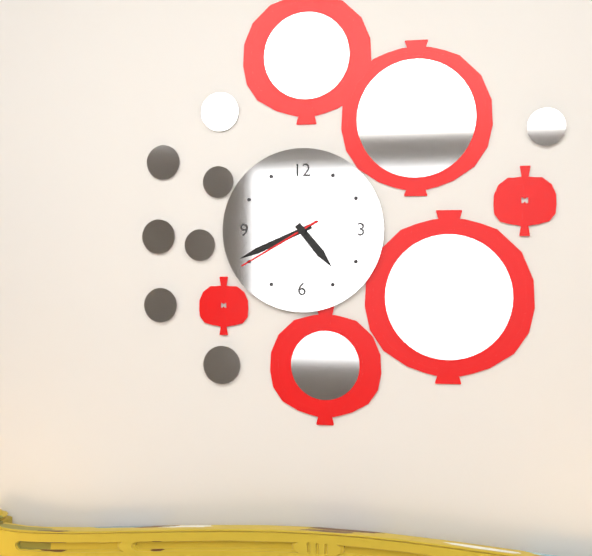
4.41.40
